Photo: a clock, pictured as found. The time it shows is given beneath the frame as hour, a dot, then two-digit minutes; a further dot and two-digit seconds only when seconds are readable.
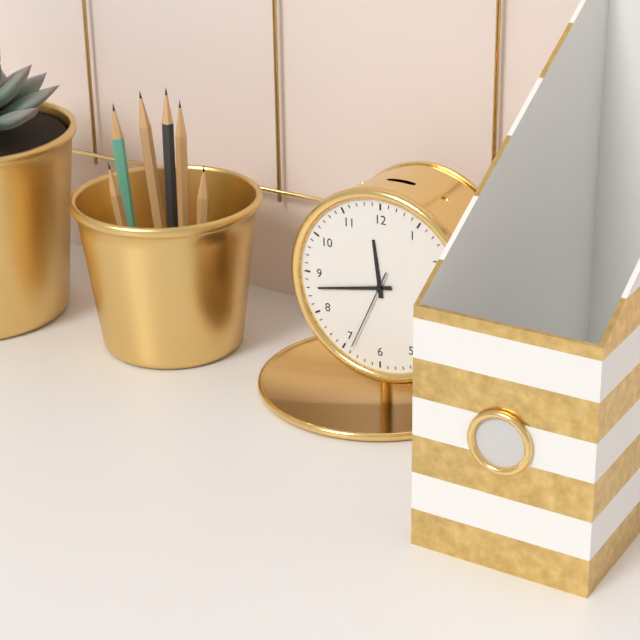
11.43.34
